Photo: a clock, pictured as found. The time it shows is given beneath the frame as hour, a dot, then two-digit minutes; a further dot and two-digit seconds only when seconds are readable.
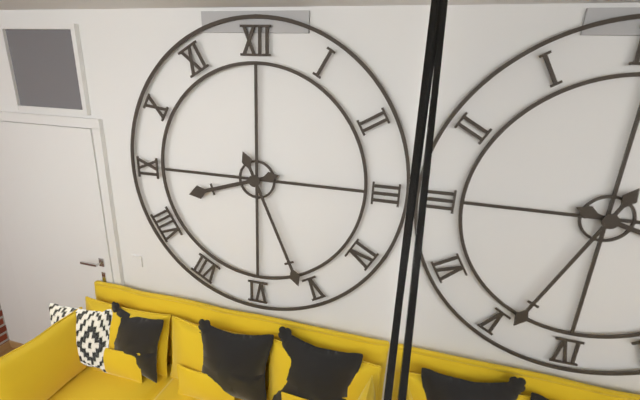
8.26
